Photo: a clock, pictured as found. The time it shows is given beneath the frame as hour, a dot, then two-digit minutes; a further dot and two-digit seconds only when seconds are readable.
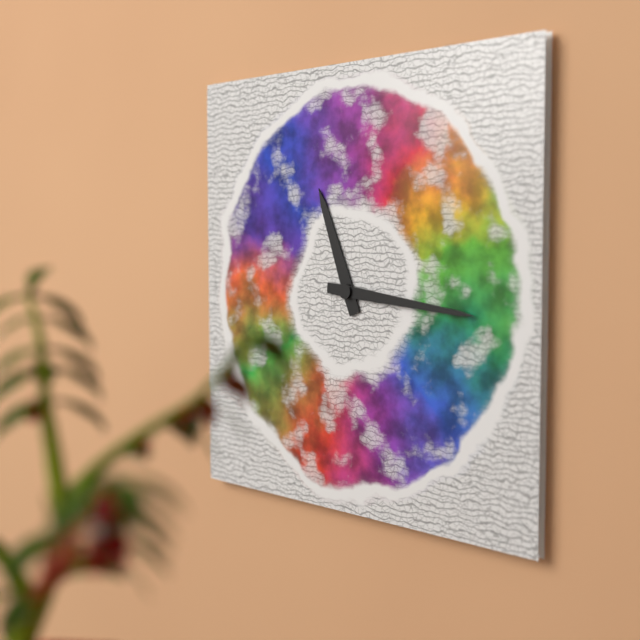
11.16
